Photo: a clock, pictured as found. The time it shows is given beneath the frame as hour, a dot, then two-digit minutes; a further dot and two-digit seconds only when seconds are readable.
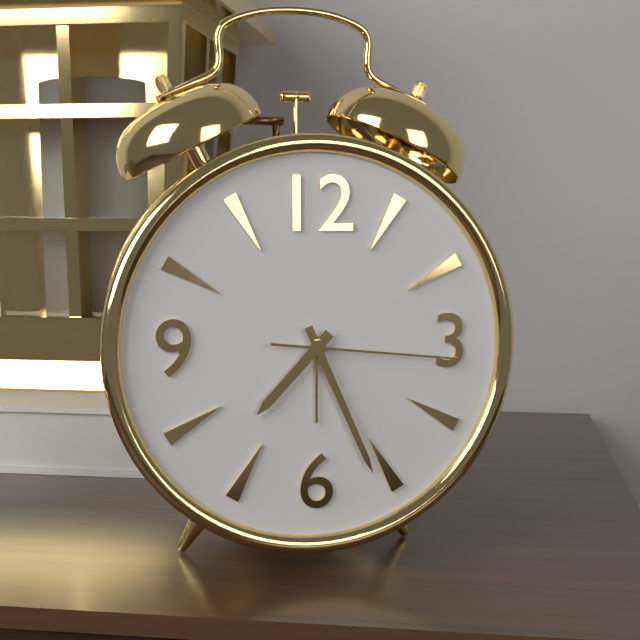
7.26.16
